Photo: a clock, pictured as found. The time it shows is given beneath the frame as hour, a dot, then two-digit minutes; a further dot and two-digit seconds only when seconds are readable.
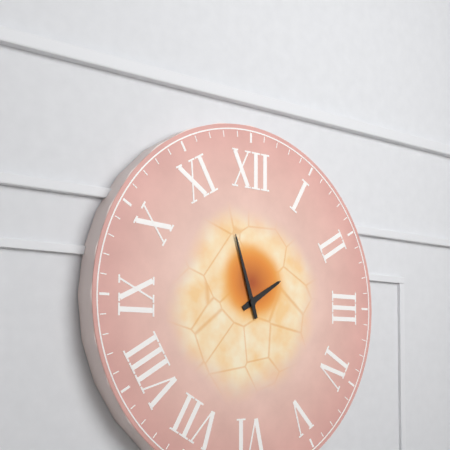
1.57
